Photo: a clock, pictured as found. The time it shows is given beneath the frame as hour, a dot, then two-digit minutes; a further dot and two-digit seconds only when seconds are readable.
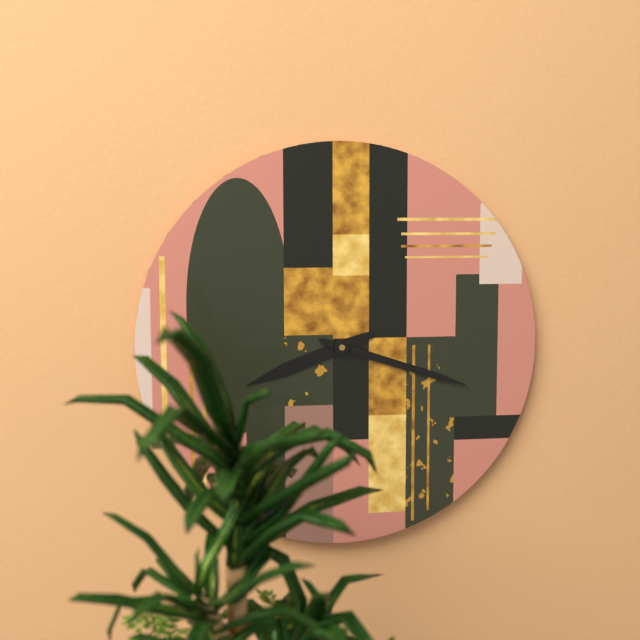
8.18
